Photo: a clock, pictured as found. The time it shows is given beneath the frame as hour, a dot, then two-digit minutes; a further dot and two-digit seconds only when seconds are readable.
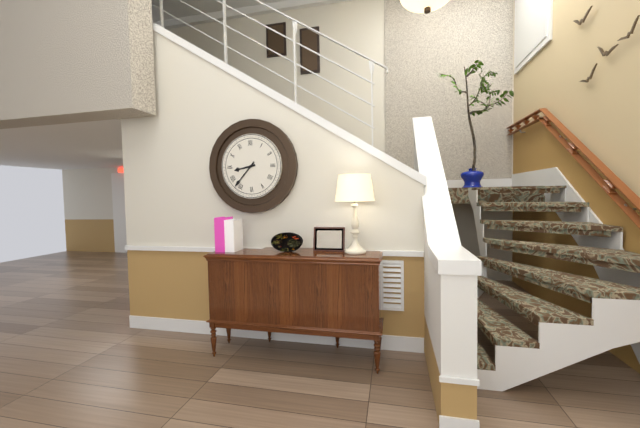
8.37
